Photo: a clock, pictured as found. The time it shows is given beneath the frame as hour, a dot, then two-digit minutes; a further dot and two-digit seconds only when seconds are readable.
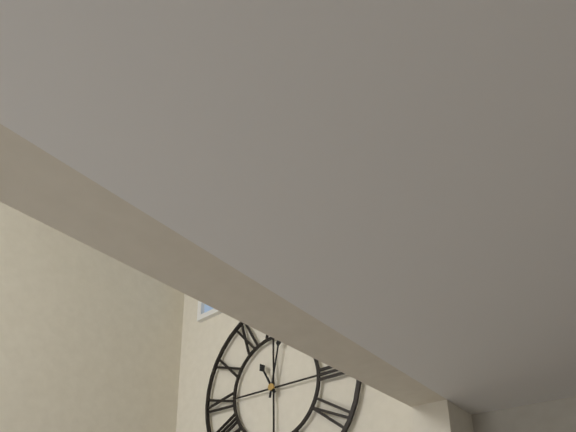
11.02
